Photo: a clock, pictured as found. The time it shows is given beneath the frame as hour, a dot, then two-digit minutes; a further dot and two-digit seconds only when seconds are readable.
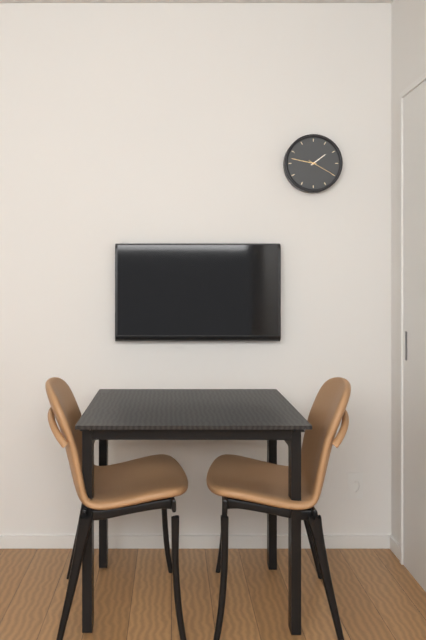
1.47
